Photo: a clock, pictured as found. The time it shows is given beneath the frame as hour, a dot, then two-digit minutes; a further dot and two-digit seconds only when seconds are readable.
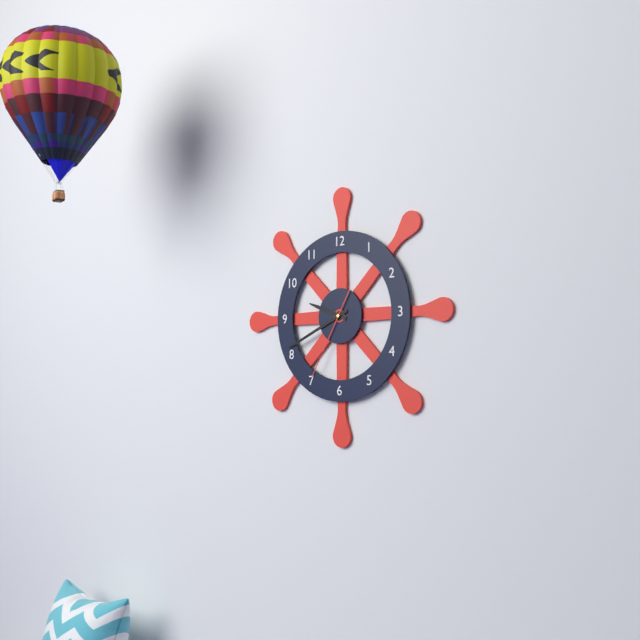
9.41.35
